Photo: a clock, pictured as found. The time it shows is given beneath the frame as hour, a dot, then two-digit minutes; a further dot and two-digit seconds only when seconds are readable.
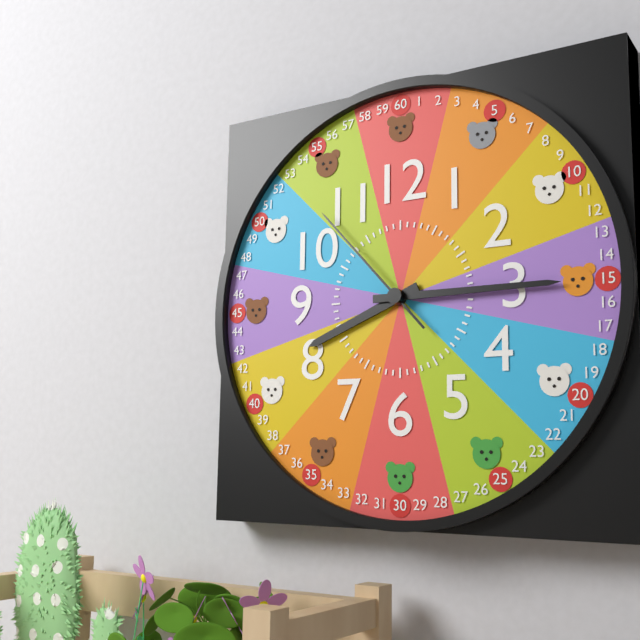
8.15.53
